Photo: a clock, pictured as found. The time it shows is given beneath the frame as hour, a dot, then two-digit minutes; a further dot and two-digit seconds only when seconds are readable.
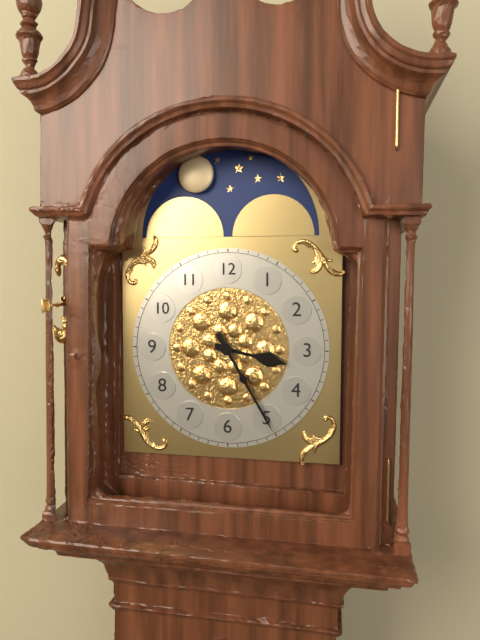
3.25
